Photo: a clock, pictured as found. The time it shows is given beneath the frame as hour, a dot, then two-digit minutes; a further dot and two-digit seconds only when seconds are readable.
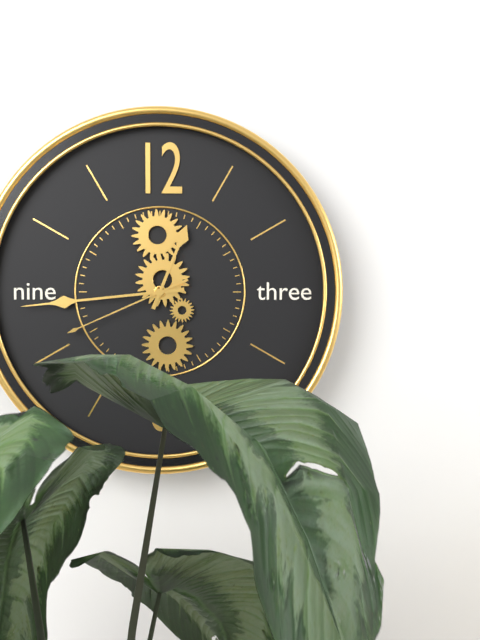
12.44.41
